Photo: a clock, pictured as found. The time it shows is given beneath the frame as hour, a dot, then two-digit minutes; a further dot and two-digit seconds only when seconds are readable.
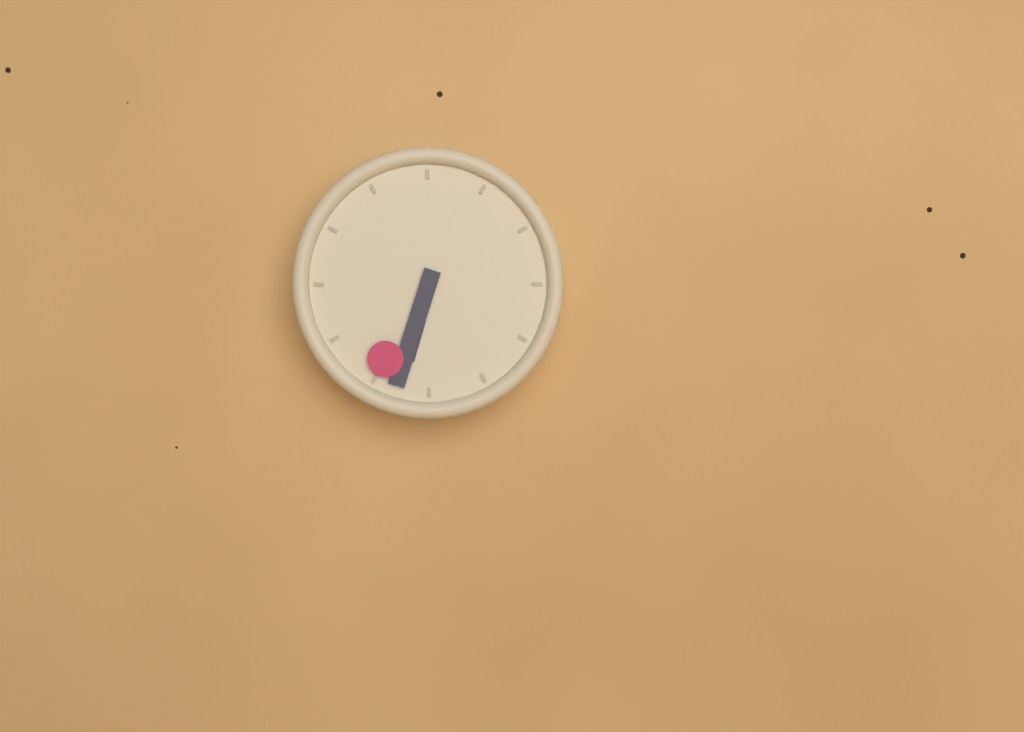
6.33.35
